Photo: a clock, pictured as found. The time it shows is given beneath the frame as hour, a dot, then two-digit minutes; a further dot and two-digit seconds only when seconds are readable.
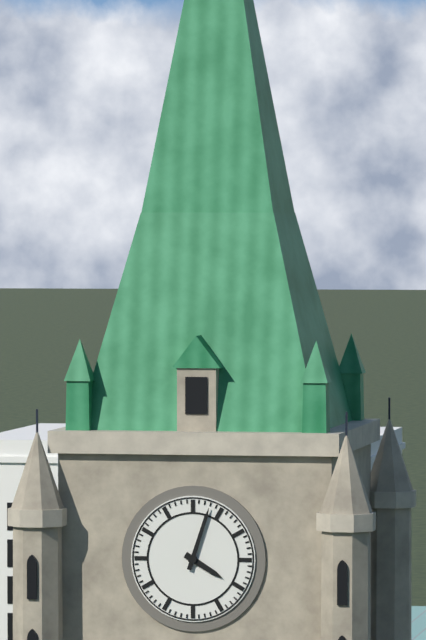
4.03
